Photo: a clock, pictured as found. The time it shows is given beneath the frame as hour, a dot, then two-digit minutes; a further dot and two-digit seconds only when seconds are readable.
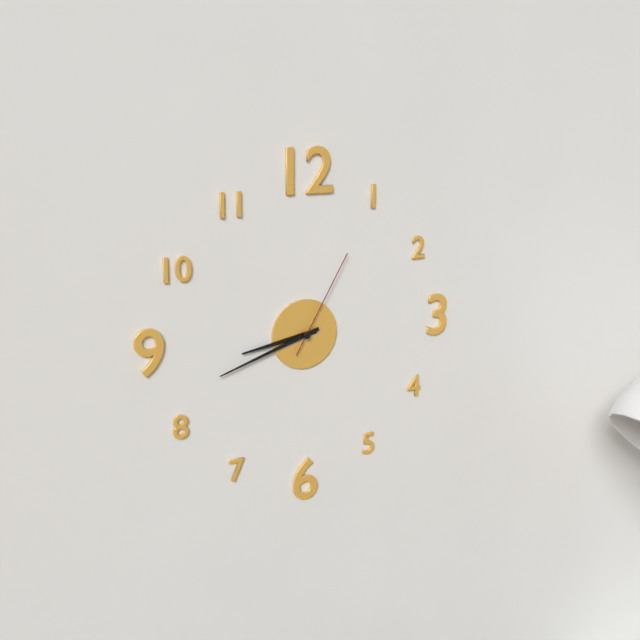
8.42.05
